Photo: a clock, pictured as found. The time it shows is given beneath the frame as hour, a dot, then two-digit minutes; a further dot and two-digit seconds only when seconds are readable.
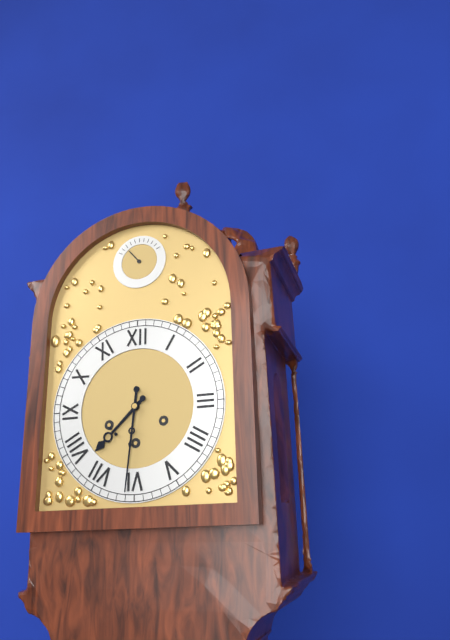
7.31
